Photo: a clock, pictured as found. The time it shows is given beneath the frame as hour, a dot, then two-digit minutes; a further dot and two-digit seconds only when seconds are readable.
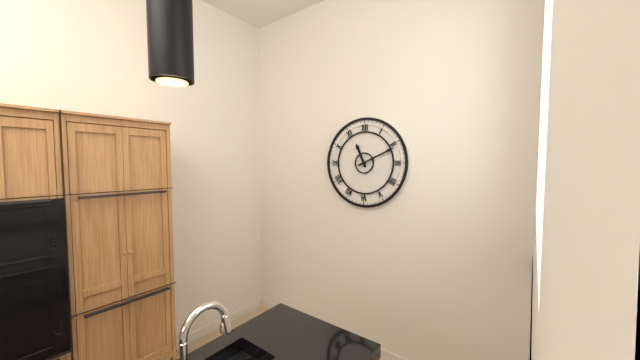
11.11
